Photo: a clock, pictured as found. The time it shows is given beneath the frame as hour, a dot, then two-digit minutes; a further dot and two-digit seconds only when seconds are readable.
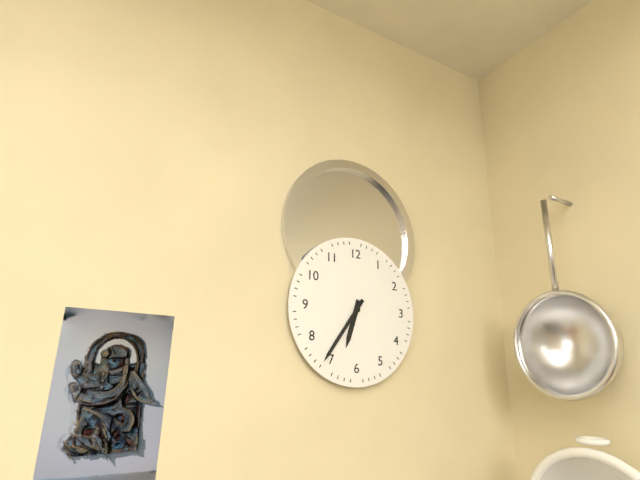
6.36
